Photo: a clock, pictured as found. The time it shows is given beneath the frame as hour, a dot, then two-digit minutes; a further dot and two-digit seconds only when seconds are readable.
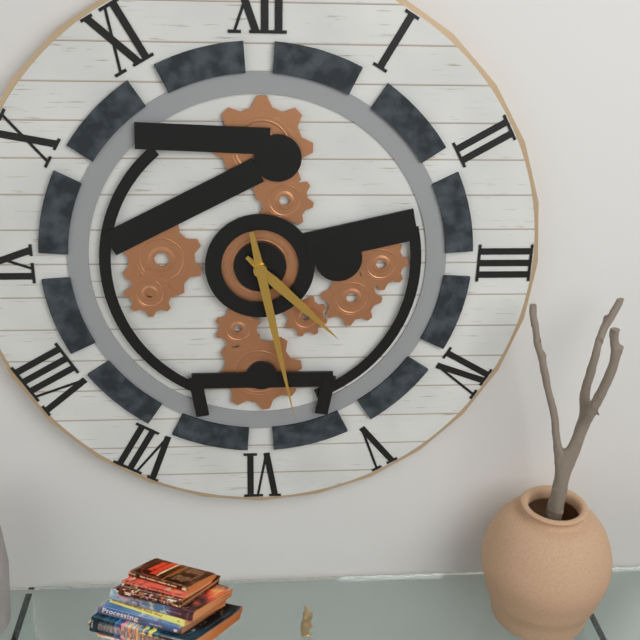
4.28
